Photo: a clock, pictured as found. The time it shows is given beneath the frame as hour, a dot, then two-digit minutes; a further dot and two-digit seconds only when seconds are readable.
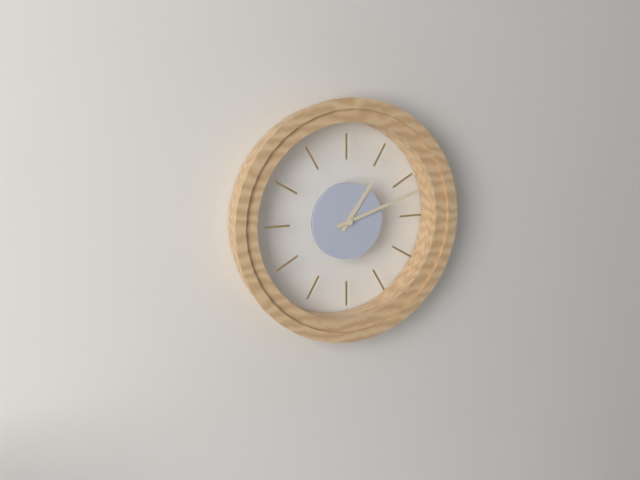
1.12
